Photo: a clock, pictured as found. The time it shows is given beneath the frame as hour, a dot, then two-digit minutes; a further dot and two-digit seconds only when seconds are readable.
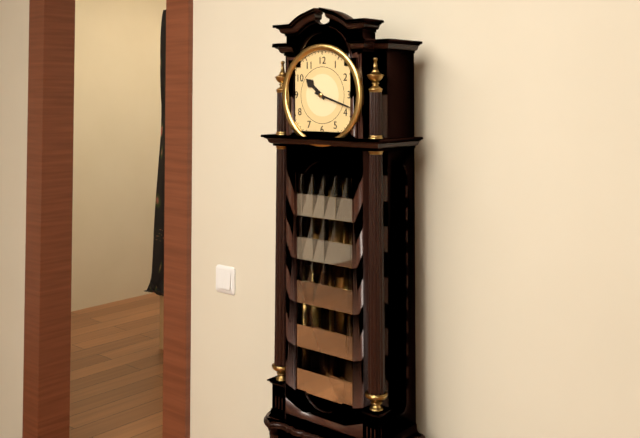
10.18
